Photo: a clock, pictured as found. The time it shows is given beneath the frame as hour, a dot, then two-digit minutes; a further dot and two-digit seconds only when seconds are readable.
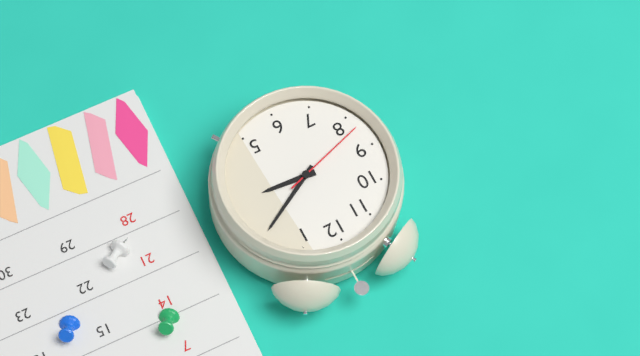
3.10.42
